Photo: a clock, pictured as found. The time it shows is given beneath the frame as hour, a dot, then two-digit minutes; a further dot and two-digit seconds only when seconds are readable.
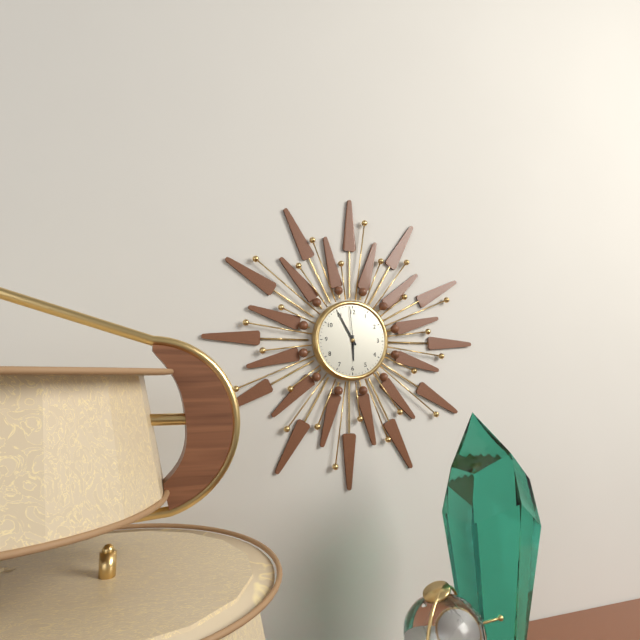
5.55
